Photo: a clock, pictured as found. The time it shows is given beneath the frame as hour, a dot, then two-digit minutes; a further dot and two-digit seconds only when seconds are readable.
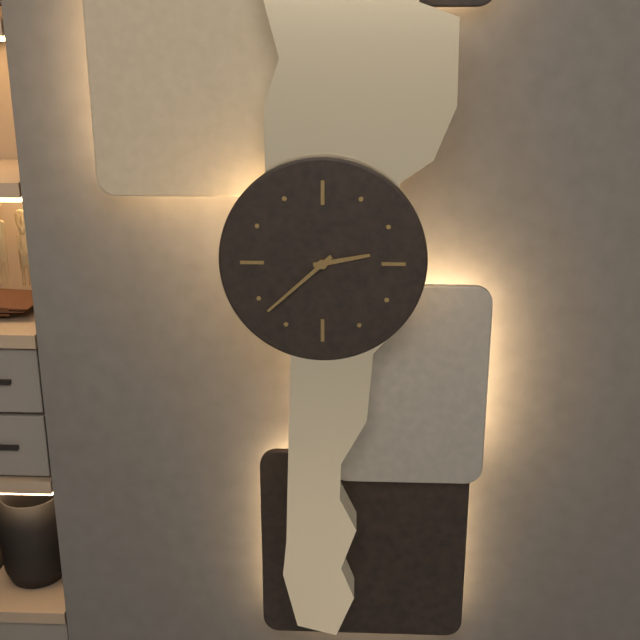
2.38
